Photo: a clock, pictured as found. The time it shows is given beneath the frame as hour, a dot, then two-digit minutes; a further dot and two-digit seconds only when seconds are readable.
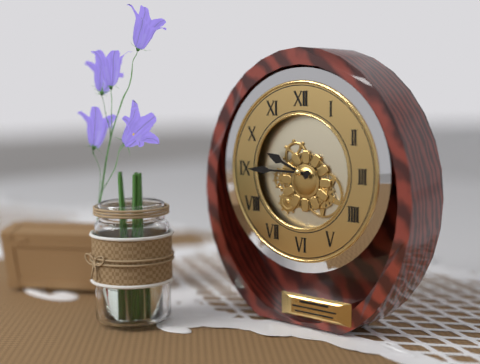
9.45
